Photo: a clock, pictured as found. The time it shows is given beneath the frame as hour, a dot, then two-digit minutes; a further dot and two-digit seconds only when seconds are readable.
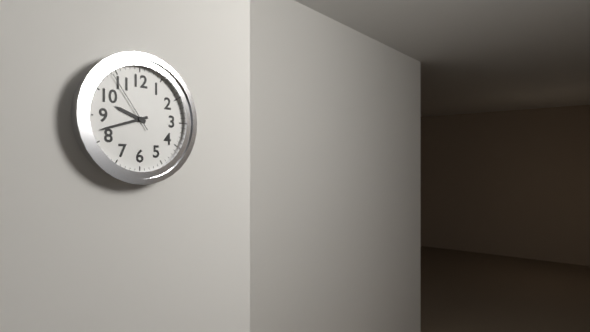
9.42.54
